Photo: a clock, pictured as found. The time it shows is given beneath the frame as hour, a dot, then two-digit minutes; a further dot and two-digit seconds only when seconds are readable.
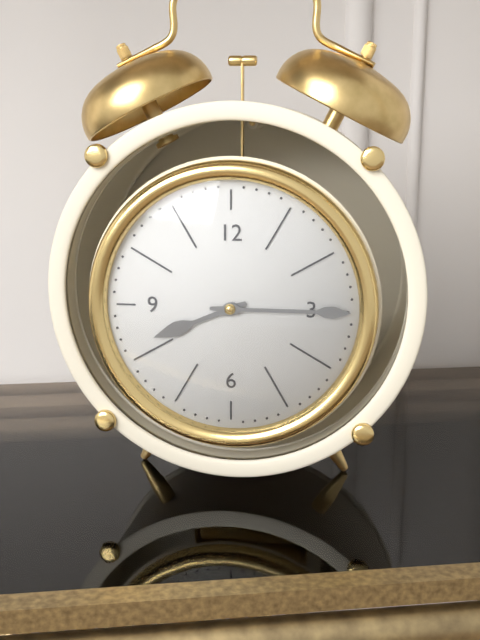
8.15
